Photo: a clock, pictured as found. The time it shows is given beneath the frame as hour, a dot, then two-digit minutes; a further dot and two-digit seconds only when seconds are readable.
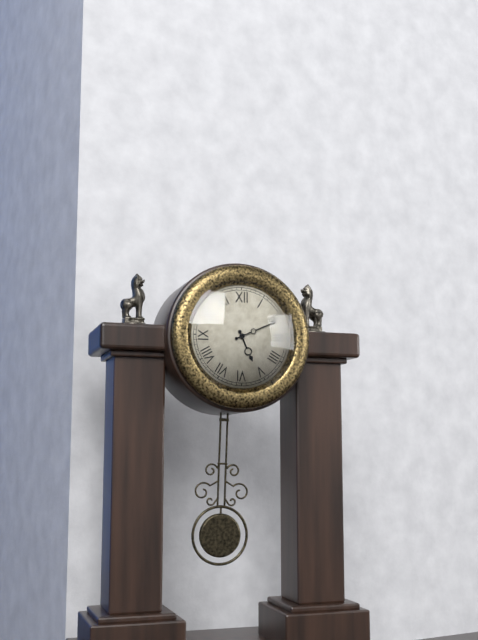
5.11
